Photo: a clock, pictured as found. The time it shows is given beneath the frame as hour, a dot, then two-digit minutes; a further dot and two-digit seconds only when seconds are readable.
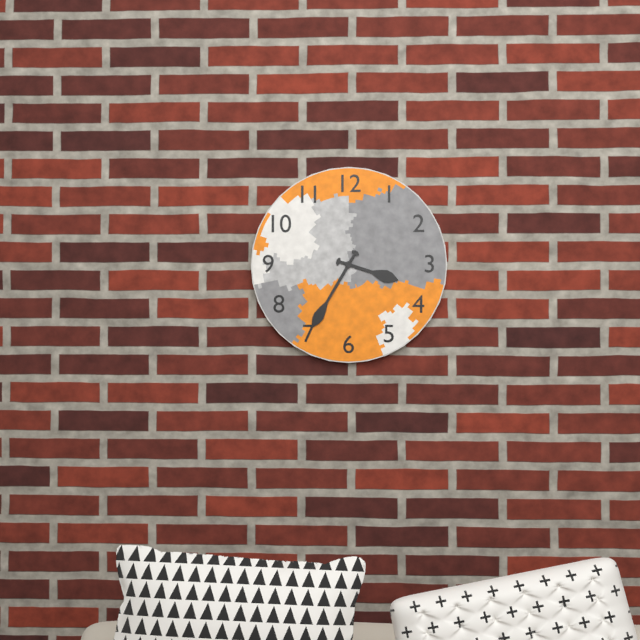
3.35
